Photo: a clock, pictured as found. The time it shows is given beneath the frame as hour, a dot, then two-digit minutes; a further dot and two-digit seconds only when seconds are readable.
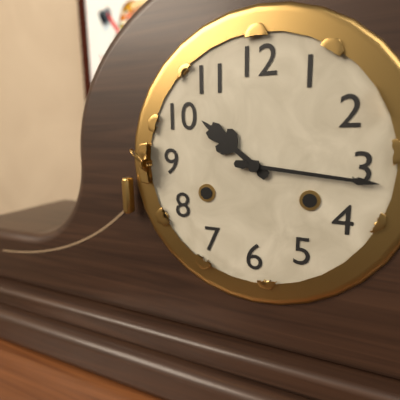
10.16
